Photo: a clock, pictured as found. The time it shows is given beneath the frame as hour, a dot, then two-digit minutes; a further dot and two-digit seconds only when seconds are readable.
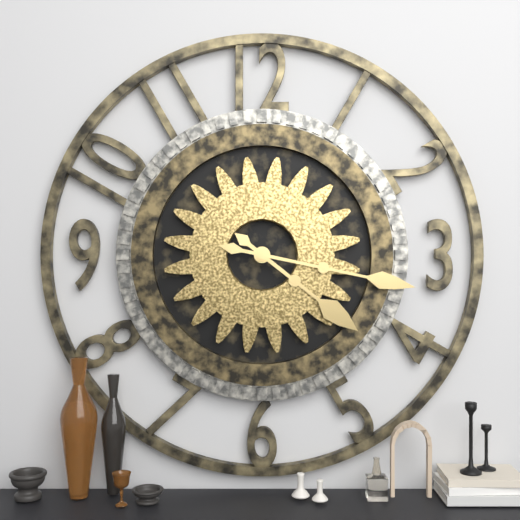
4.17
